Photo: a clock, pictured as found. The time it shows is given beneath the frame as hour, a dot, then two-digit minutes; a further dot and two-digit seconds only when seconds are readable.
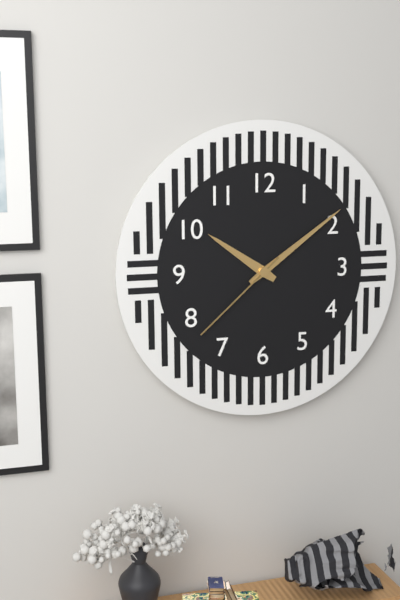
10.09.38
